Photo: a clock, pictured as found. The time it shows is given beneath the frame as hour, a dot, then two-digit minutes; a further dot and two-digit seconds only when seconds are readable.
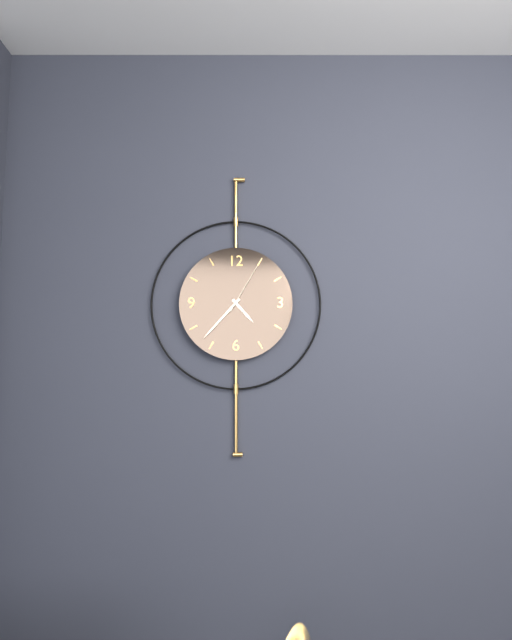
4.37.05
